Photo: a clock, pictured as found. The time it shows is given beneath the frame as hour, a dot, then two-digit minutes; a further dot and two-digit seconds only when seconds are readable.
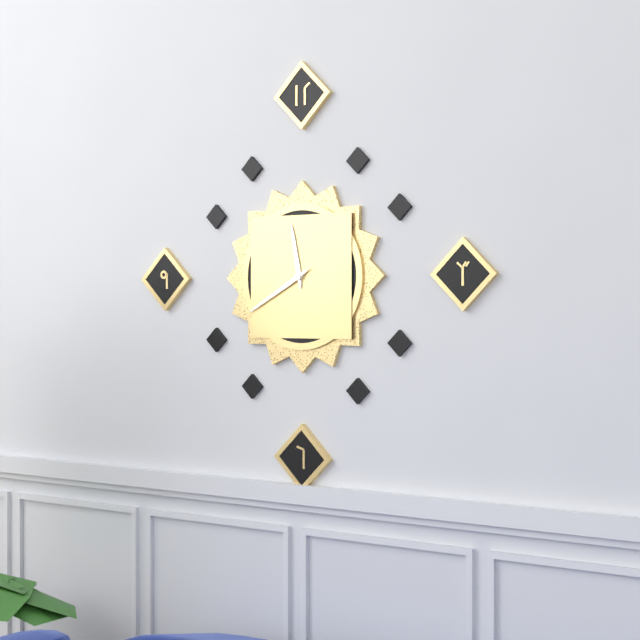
11.40
